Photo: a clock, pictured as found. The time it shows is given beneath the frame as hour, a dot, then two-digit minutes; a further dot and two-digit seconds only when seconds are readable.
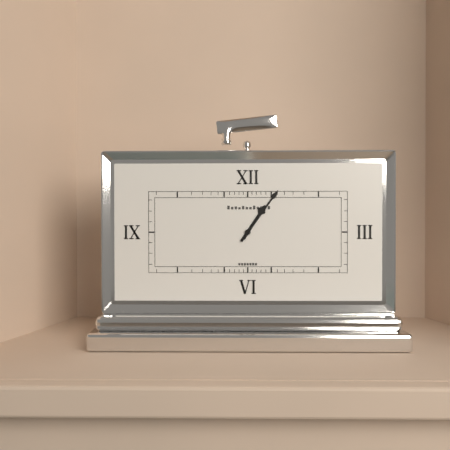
1.06
